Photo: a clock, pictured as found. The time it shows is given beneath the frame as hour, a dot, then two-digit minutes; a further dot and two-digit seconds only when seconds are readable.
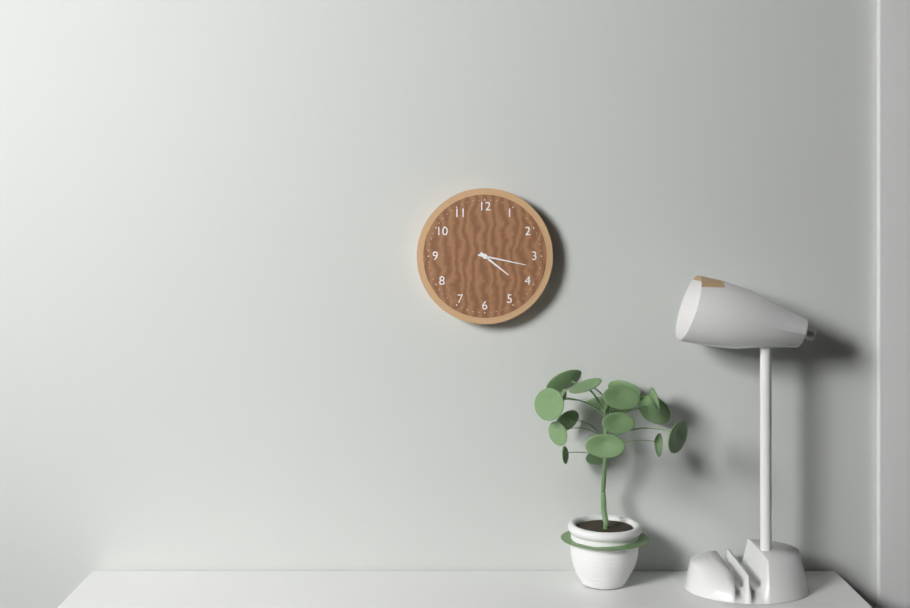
4.17
